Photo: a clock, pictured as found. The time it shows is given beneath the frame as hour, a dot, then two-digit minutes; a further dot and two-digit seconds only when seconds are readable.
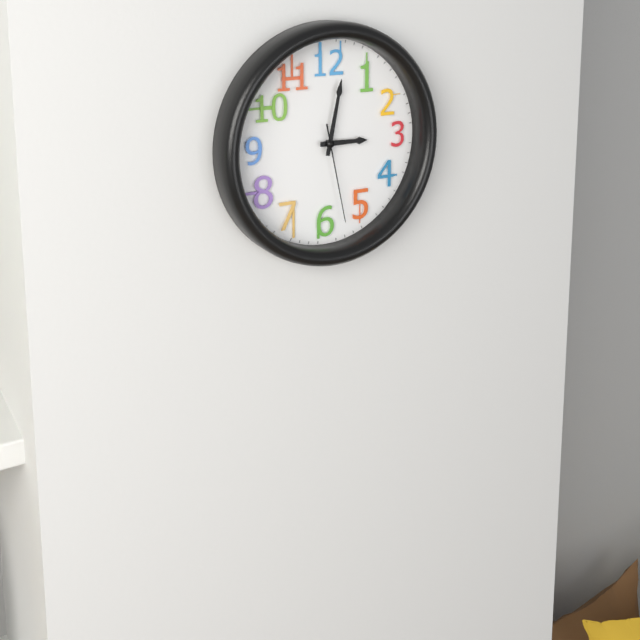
3.02.28
